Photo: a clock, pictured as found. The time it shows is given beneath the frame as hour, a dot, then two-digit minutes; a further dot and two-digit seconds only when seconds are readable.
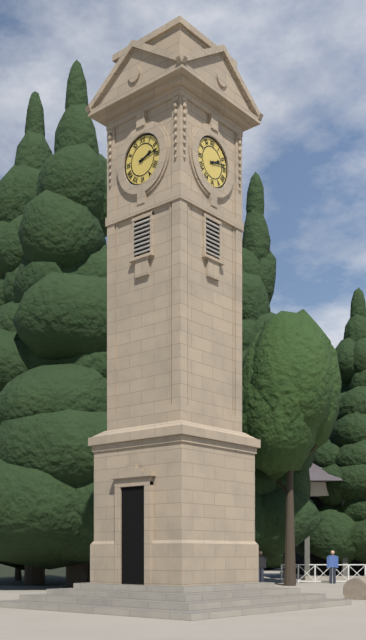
2.13
